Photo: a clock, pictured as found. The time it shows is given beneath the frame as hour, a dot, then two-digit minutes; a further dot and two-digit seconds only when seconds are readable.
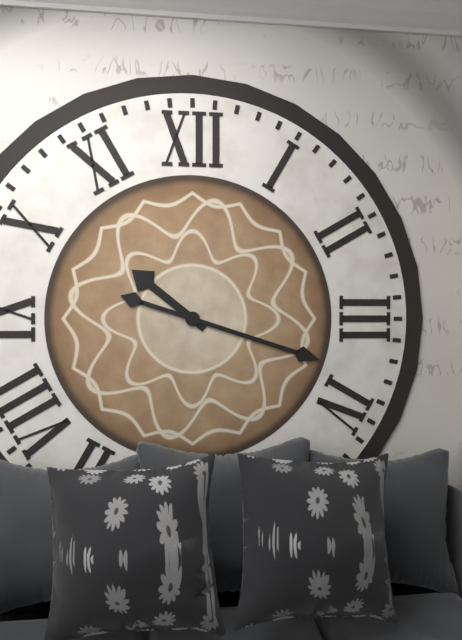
10.18
